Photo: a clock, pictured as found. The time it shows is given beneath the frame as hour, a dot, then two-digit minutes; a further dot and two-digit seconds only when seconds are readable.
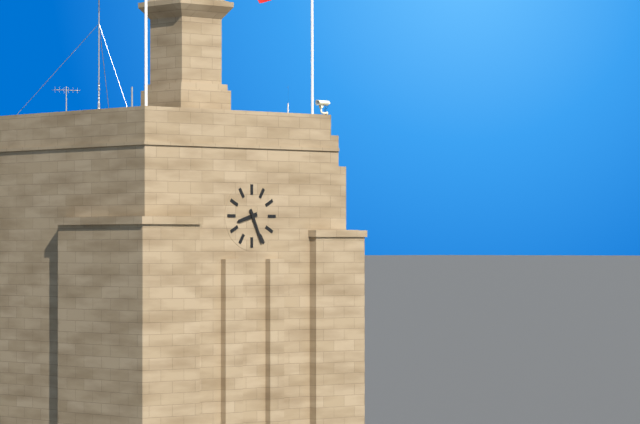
8.26
